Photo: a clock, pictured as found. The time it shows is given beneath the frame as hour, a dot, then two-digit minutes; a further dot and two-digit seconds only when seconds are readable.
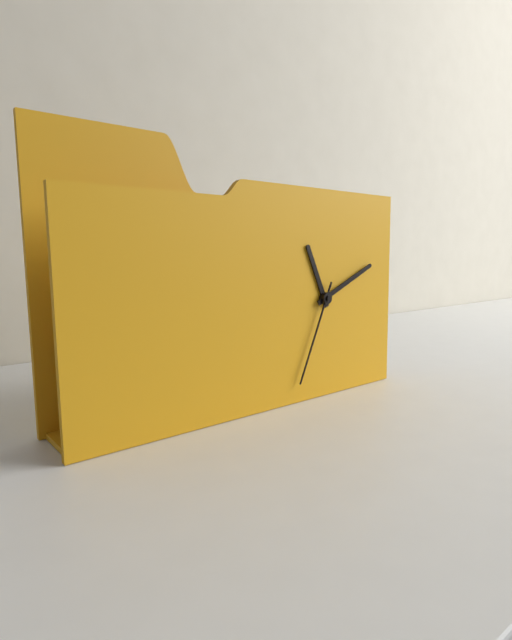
11.11.34
